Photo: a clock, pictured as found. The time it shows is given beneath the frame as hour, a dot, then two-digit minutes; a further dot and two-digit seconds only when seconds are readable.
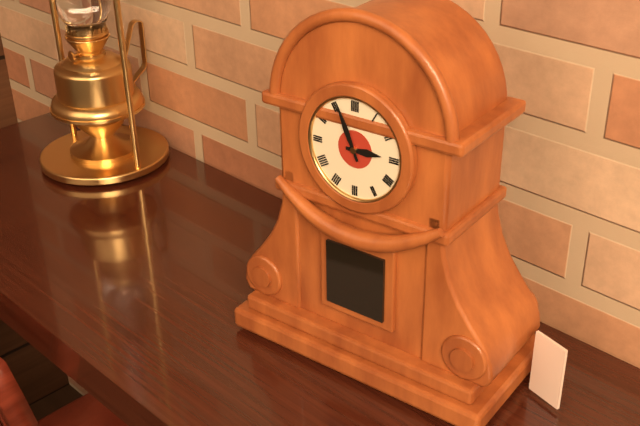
2.56
